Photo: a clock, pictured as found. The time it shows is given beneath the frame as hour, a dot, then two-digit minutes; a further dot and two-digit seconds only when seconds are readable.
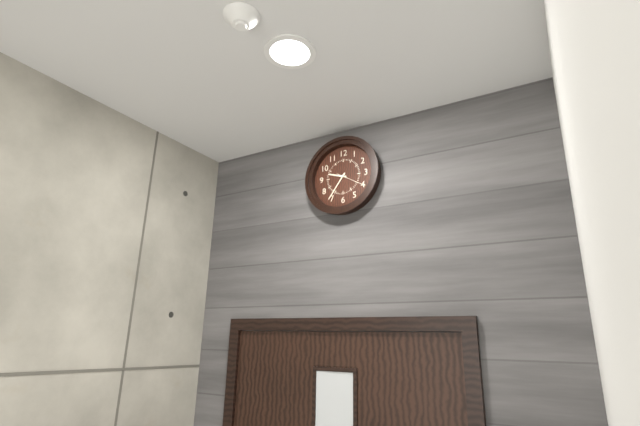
9.36
